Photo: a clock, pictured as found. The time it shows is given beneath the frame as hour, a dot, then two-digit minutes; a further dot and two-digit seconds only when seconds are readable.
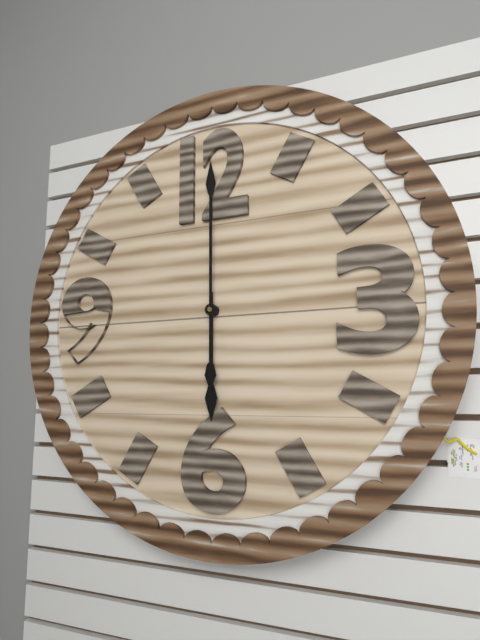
6.00
